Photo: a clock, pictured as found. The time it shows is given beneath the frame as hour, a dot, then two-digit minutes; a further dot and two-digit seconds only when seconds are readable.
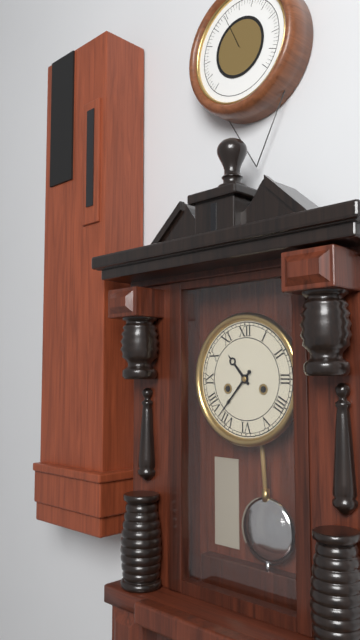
10.37
